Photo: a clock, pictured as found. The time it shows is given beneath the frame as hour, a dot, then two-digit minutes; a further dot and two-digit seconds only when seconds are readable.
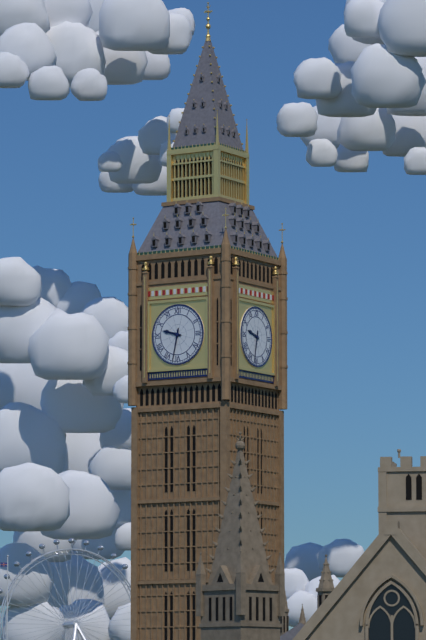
9.32
